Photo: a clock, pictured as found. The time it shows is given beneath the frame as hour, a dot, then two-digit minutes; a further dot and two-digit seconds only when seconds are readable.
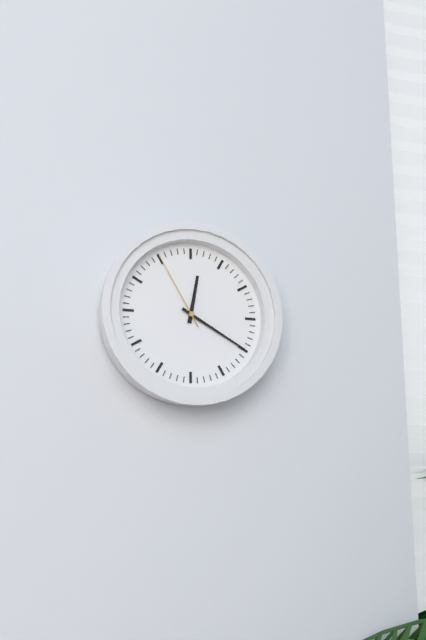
12.20.55
